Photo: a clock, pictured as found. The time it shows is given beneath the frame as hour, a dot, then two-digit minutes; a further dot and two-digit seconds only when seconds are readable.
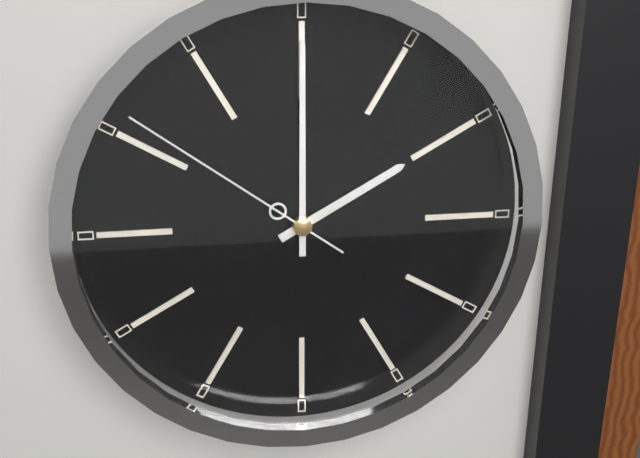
2.00.51
